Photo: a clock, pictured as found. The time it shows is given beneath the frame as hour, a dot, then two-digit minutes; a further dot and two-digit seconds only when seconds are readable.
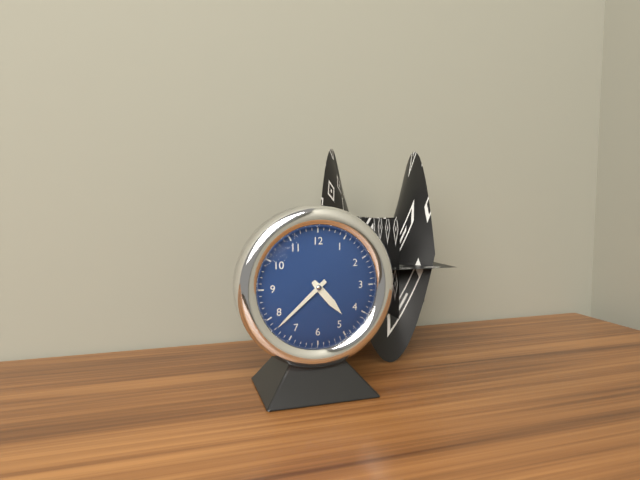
4.38
